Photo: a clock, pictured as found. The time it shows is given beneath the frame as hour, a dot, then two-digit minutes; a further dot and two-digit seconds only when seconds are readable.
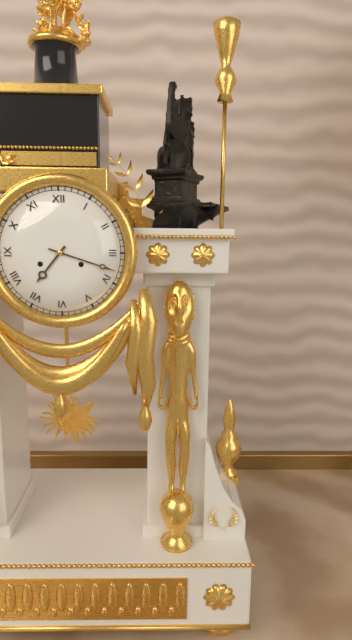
7.18
